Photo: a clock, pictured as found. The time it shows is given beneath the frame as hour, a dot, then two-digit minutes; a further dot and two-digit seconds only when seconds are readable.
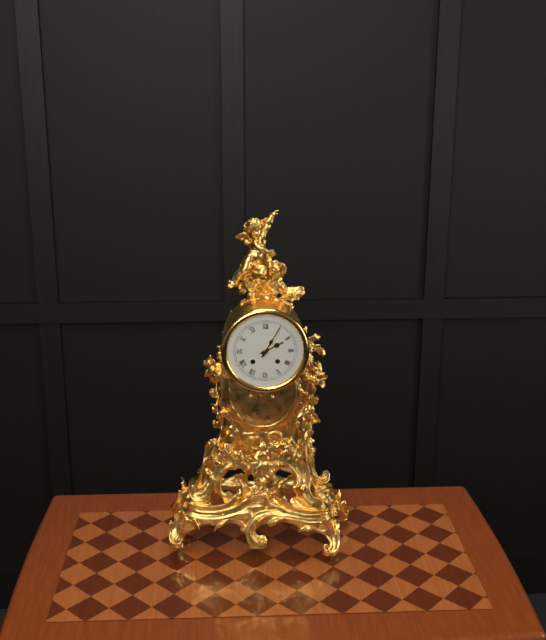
2.05
